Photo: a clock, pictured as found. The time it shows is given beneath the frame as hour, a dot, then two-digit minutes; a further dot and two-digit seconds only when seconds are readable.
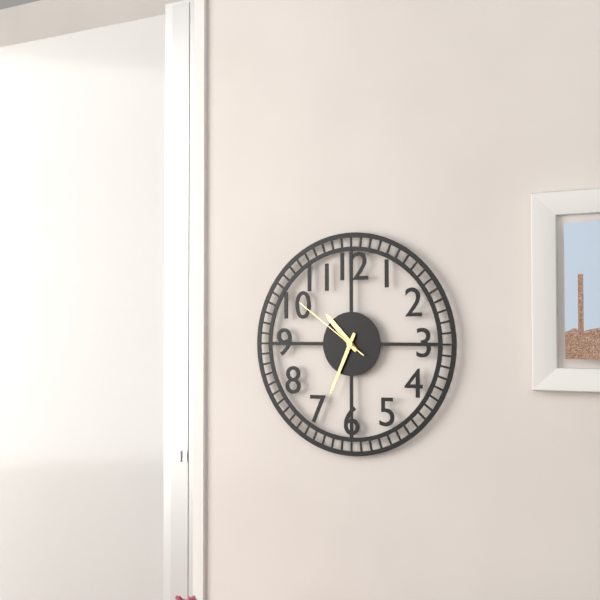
10.34.51
